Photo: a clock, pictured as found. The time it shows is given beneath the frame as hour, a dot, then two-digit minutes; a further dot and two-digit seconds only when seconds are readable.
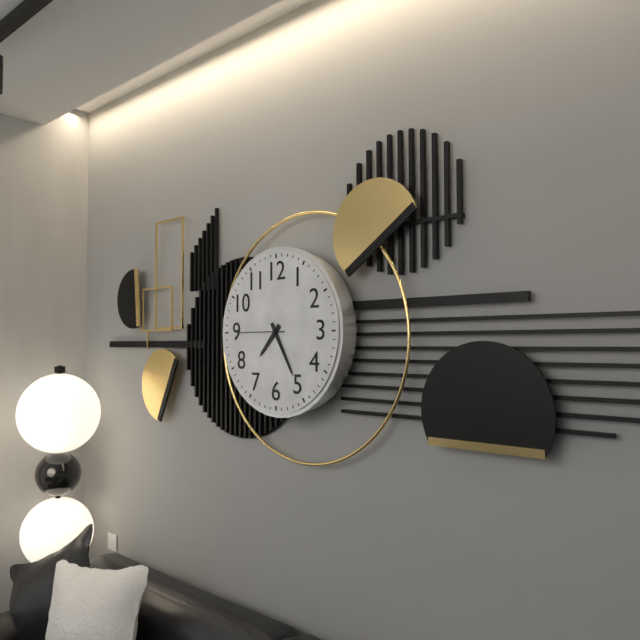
7.25
